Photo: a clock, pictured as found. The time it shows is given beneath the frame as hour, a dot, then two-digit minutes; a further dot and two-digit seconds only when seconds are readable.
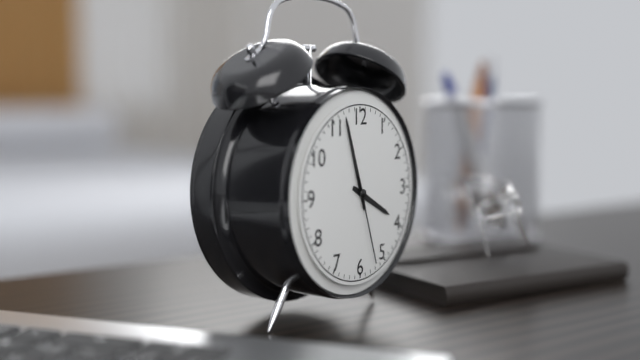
3.57.27
